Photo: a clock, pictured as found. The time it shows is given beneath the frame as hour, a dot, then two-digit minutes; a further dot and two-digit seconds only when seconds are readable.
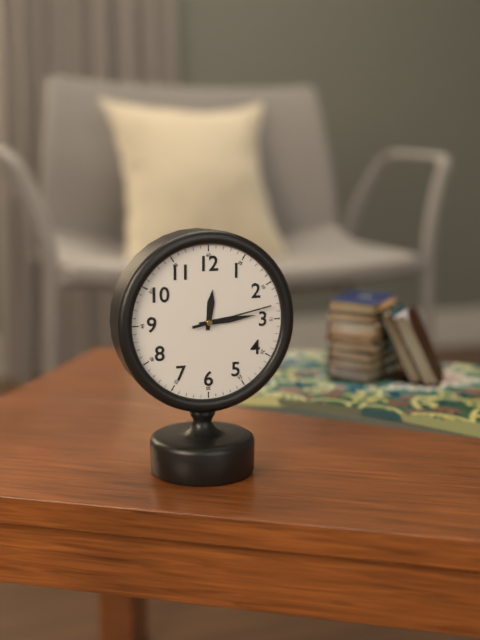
12.14.13
